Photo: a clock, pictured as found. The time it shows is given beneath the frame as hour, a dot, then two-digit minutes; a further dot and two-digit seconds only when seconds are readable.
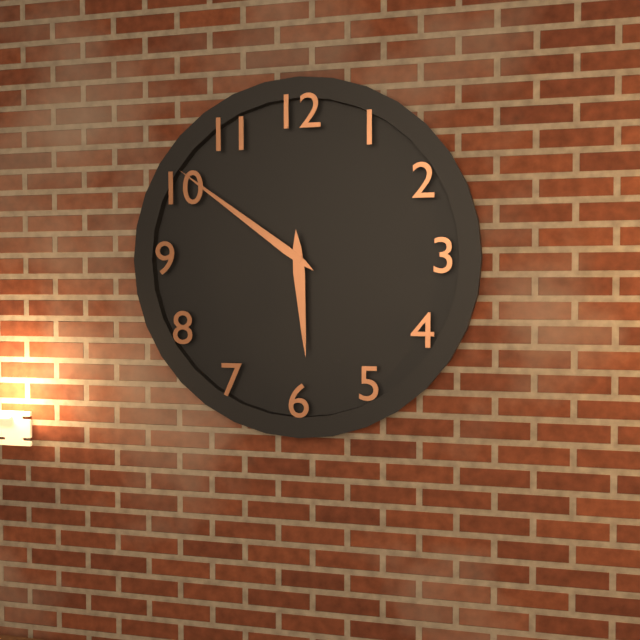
5.51
